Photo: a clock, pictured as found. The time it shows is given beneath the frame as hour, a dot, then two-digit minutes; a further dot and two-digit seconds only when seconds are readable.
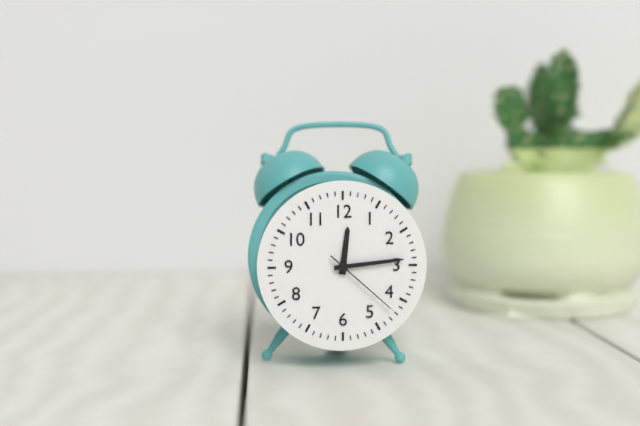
12.14.22
